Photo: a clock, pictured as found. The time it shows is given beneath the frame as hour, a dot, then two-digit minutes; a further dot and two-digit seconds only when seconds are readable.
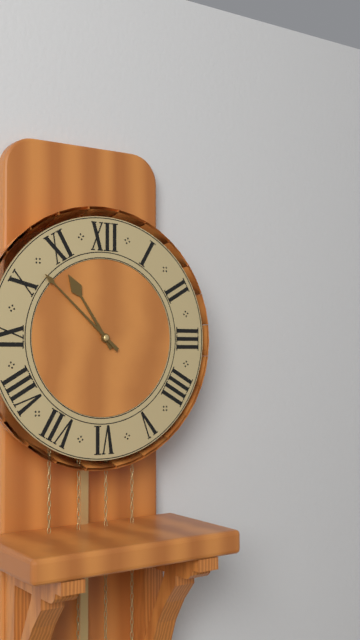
10.52
